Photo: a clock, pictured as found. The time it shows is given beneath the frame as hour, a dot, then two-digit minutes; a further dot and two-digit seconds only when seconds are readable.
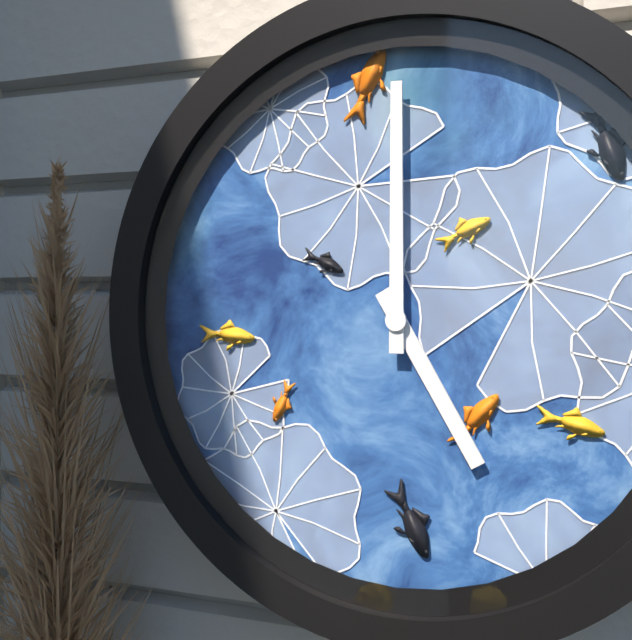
5.00
